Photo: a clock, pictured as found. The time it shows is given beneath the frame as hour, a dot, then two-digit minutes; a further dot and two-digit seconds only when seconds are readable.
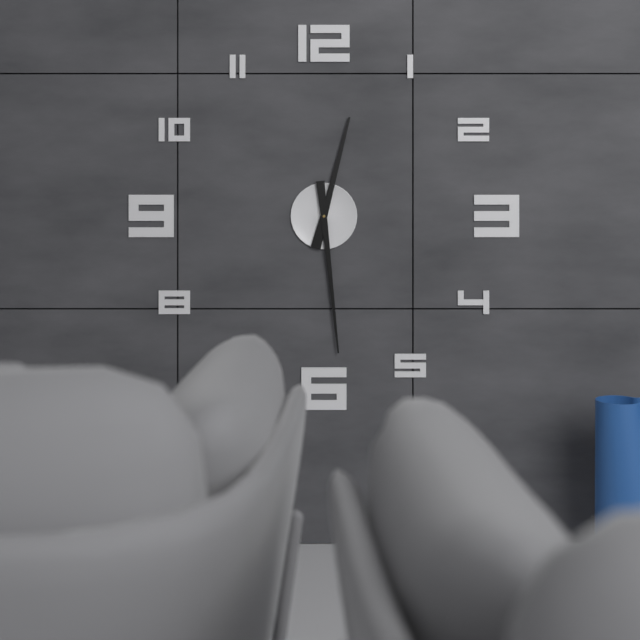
12.29
